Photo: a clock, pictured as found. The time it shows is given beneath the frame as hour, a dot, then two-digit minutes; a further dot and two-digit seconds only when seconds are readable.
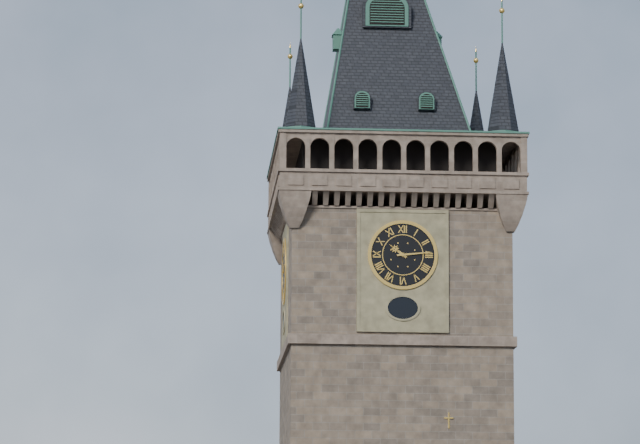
10.14
